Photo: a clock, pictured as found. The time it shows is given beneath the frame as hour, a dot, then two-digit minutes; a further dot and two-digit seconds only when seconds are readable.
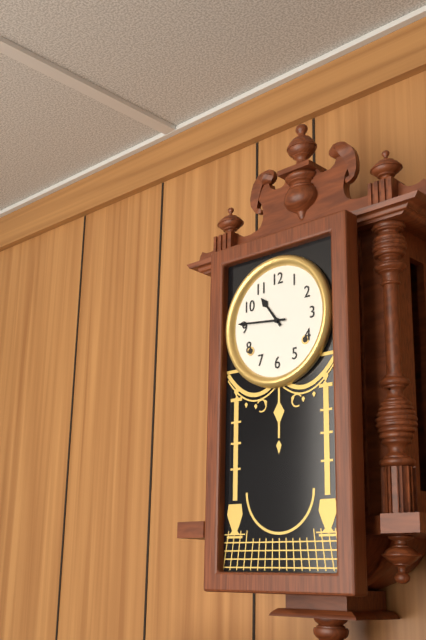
10.46
